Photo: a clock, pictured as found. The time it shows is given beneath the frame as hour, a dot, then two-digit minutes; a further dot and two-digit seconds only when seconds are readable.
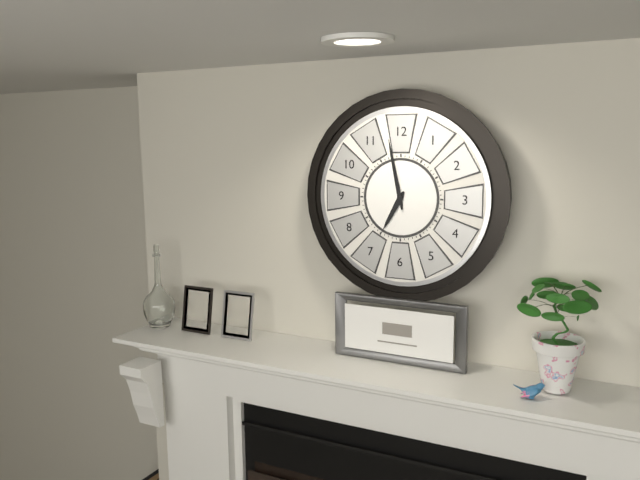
6.58
